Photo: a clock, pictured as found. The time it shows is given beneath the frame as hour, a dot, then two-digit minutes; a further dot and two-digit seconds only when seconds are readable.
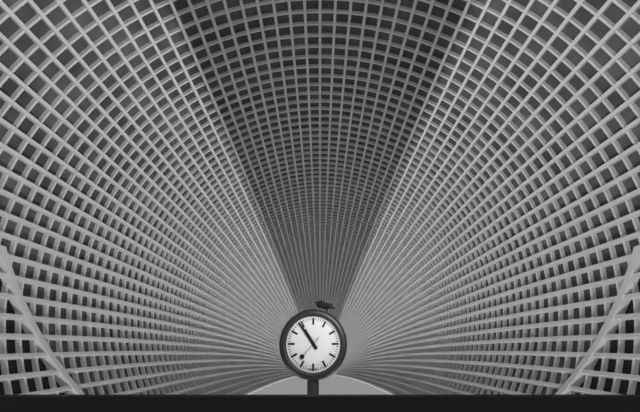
10.54
